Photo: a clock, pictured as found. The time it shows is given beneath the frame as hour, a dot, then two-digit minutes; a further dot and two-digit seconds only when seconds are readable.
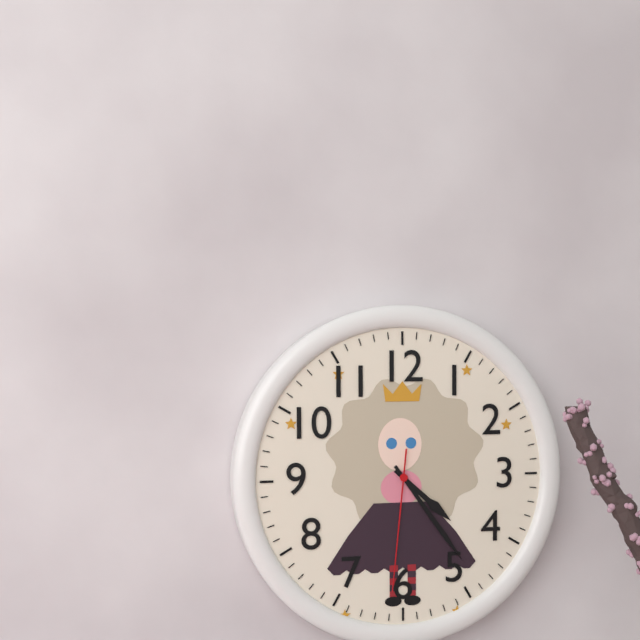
4.24.31
